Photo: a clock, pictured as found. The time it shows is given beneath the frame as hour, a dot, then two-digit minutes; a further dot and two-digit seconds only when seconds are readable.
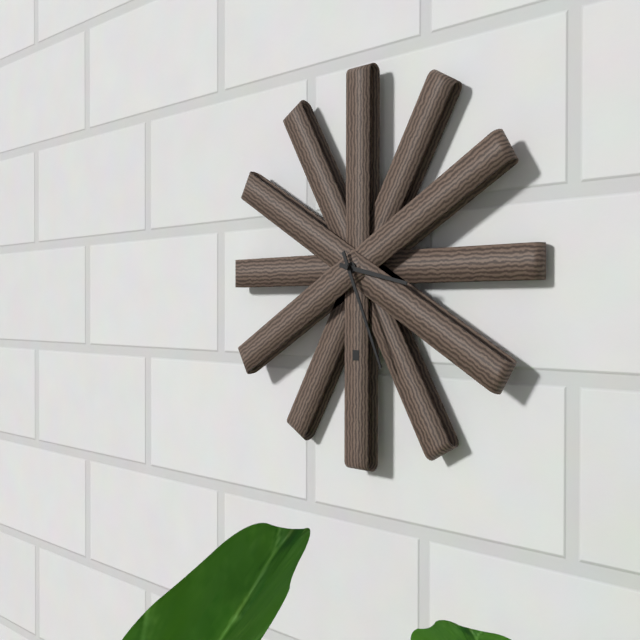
3.26
